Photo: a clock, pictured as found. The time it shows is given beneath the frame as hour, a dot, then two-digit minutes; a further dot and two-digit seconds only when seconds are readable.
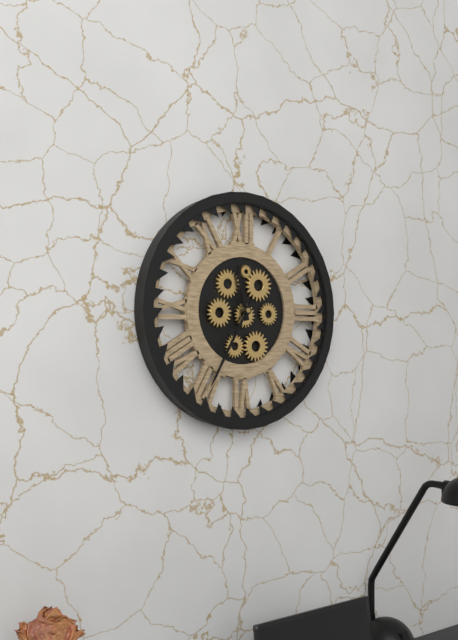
11.35
